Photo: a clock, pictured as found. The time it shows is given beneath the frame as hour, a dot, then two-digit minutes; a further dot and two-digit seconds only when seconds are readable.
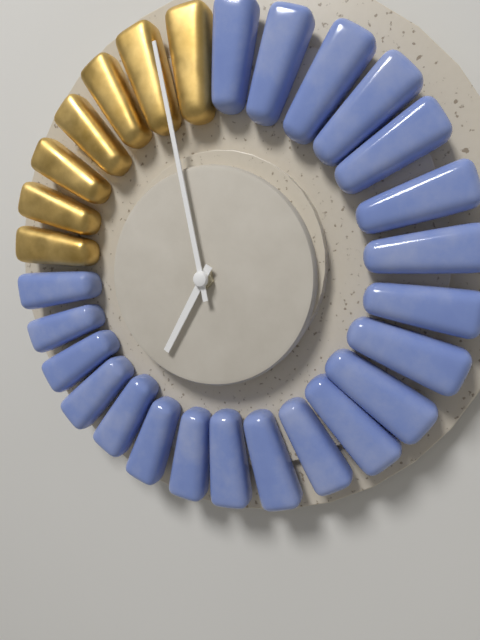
6.58
